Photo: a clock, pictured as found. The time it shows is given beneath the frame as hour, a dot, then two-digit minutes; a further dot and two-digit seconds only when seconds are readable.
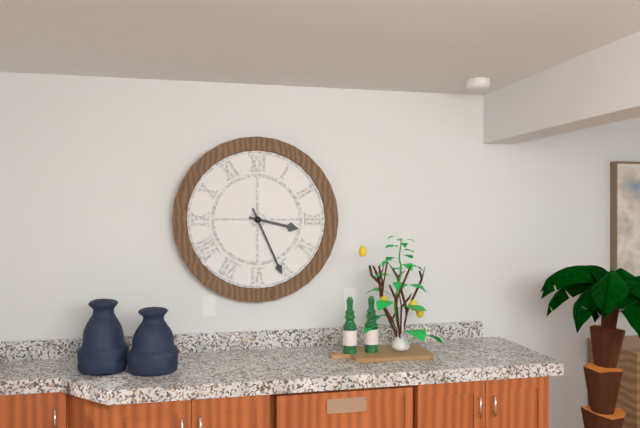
3.26
